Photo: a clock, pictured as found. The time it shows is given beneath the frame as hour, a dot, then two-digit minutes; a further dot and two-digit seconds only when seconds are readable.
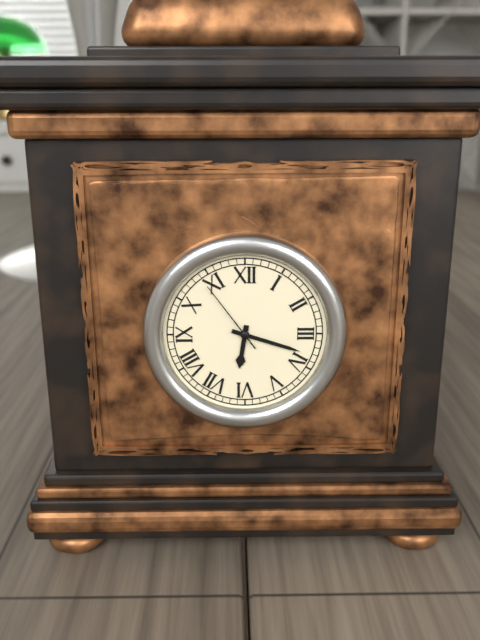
6.18.54
